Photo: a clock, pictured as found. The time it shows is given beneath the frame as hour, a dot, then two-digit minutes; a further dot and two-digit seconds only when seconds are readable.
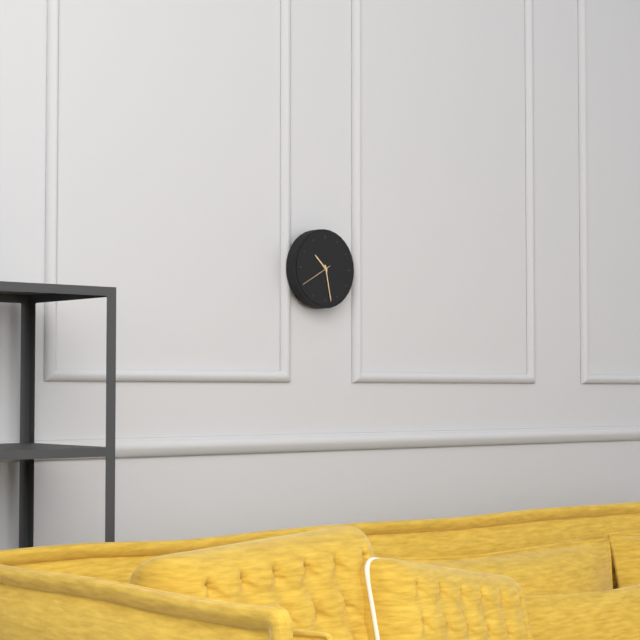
10.28
